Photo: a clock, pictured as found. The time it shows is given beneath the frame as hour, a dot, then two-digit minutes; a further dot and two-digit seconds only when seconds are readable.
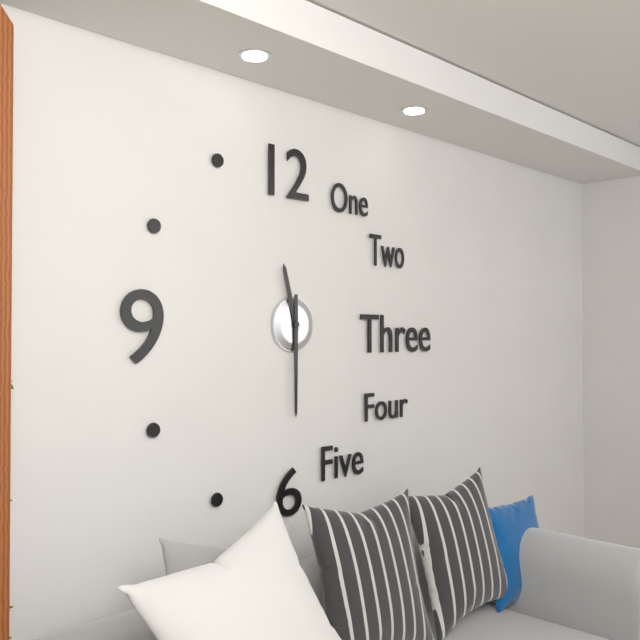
11.30
